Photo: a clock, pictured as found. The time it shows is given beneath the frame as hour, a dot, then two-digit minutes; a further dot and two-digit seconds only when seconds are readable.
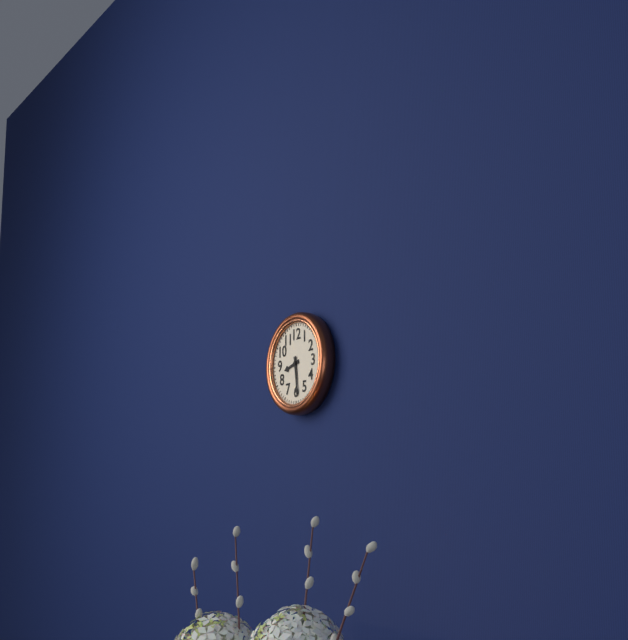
8.29
